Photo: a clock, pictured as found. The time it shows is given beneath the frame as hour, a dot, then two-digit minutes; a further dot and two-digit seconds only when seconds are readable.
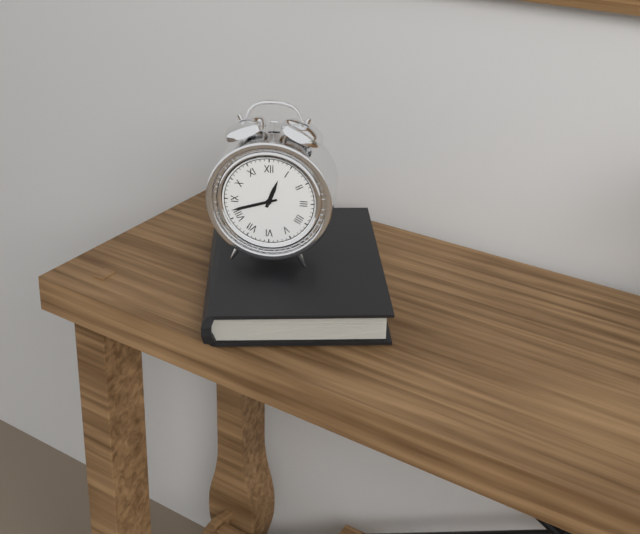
12.42
